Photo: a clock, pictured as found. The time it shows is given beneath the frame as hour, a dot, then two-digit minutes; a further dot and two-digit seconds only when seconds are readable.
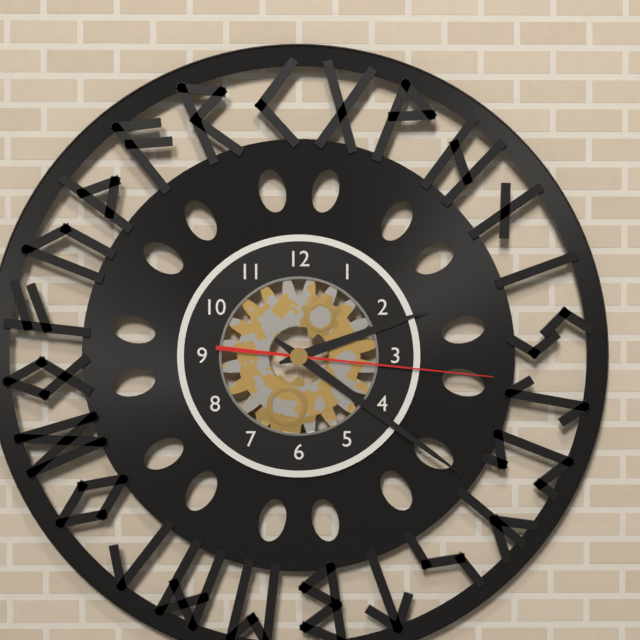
2.21.16
